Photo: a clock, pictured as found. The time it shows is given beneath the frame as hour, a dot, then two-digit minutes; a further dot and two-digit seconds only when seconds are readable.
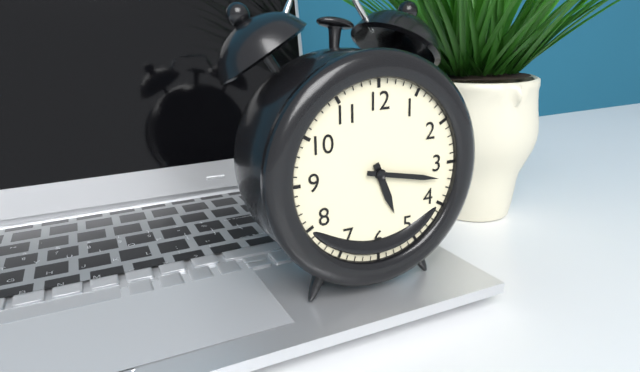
5.17
